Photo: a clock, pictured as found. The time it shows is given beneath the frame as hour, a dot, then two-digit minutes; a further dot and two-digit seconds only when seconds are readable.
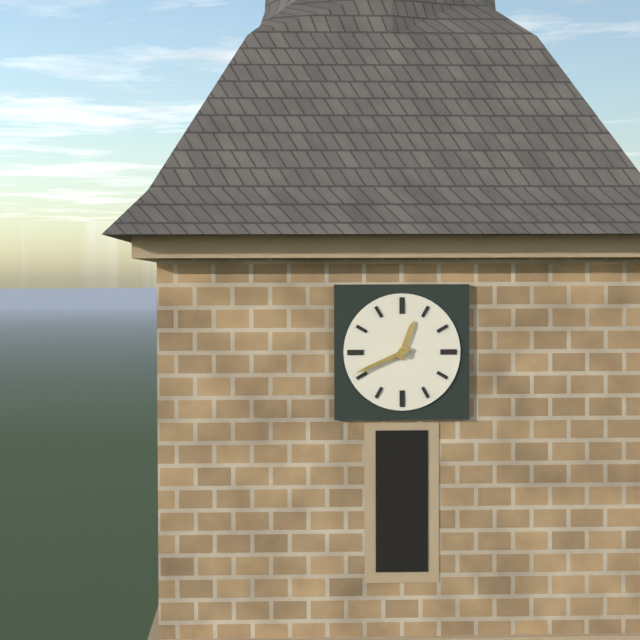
12.41
